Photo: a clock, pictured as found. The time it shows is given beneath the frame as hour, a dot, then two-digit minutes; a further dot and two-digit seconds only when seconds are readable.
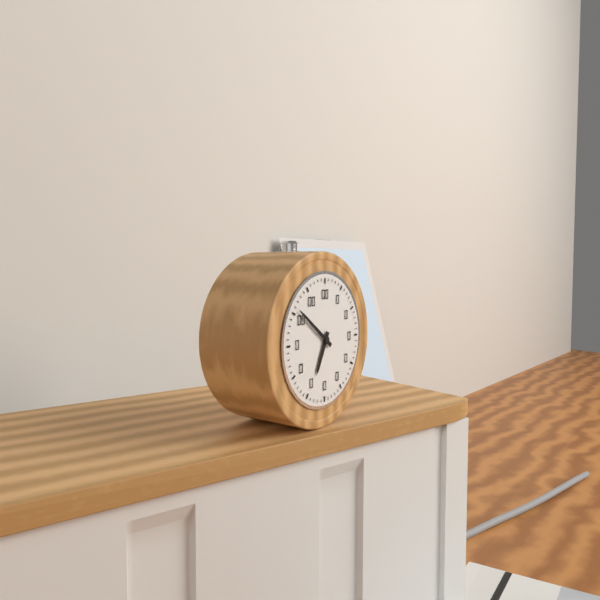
6.51
